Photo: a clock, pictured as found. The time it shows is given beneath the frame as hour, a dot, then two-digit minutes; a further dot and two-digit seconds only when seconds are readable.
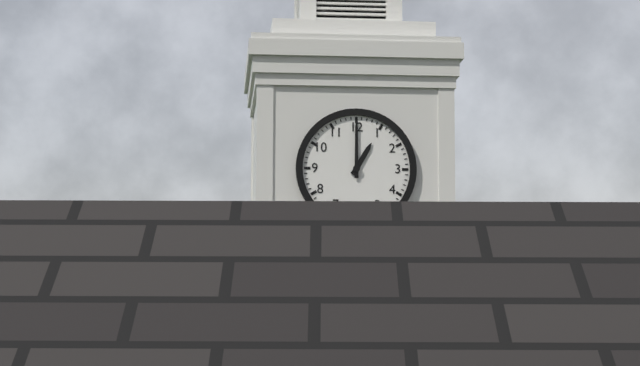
1.00
